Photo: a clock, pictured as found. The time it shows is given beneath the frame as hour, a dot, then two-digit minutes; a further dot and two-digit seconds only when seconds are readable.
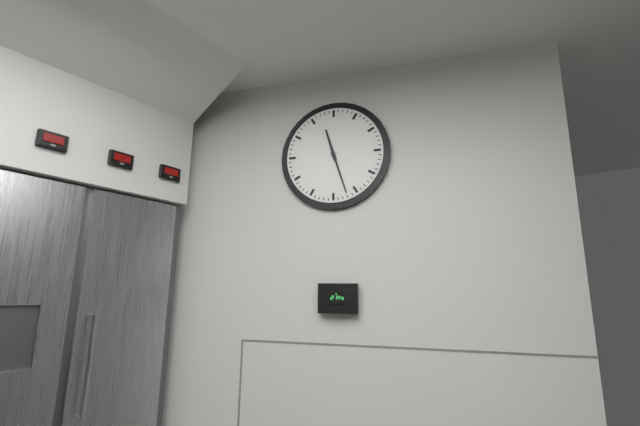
11.27
